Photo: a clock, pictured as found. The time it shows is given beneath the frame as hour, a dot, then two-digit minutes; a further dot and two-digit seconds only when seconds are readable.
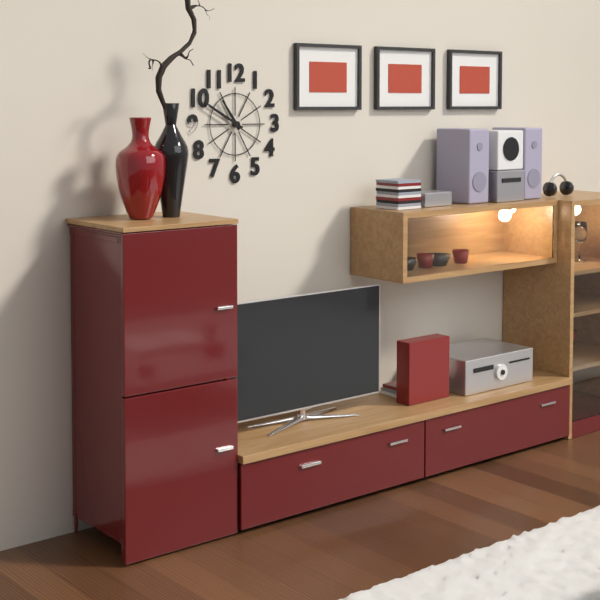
10.50
